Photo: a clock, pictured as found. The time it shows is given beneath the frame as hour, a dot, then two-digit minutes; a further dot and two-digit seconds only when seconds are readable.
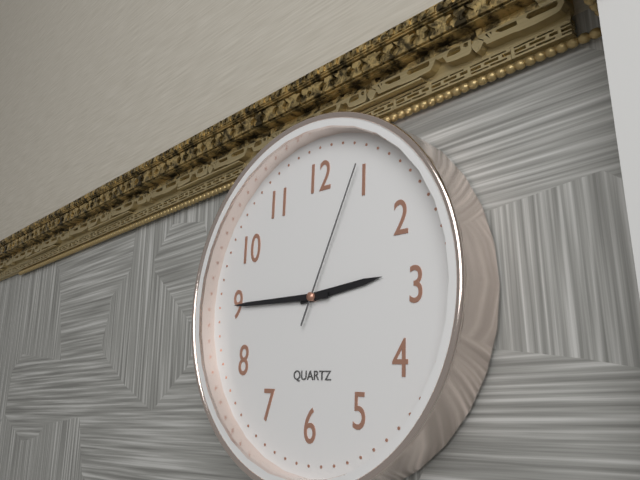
2.45.04
